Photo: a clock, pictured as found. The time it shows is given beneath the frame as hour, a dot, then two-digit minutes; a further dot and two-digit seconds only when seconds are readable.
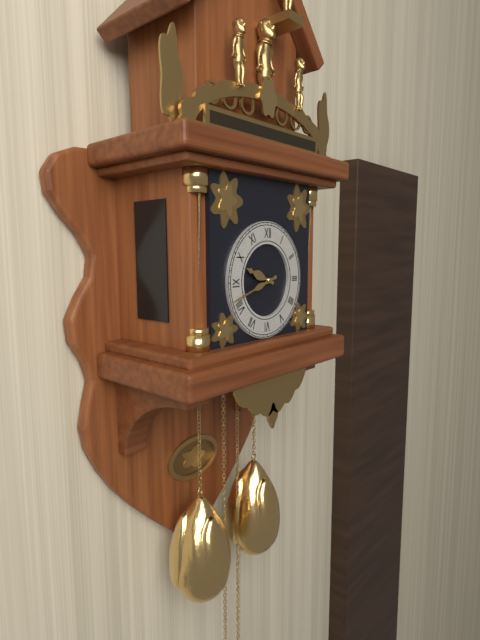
9.42
